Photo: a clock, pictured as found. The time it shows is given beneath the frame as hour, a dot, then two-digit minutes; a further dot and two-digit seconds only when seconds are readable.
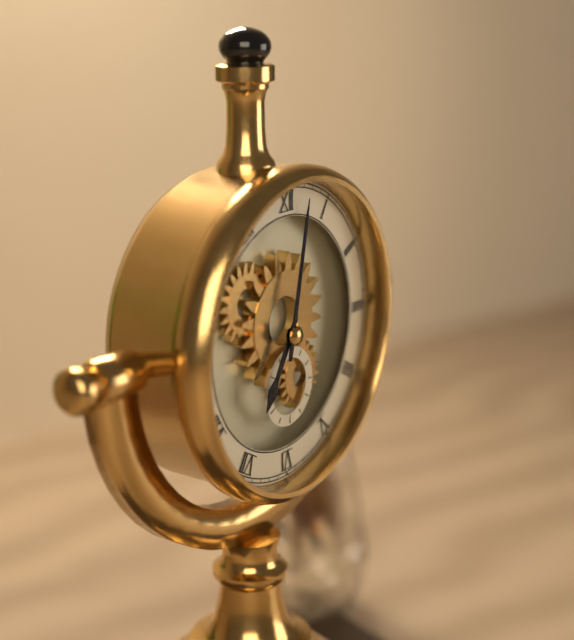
7.02
